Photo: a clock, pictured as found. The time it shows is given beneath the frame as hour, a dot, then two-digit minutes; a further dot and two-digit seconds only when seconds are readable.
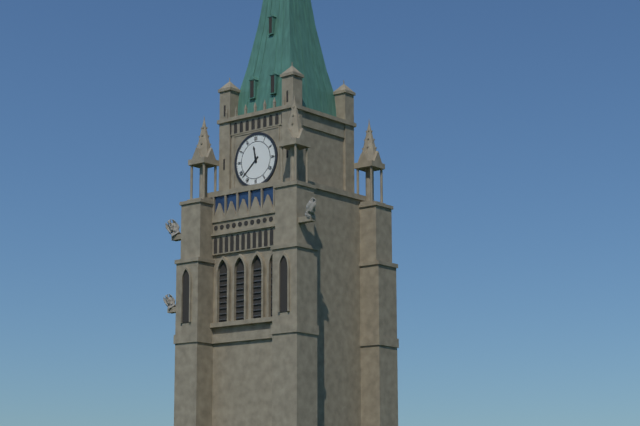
11.38
